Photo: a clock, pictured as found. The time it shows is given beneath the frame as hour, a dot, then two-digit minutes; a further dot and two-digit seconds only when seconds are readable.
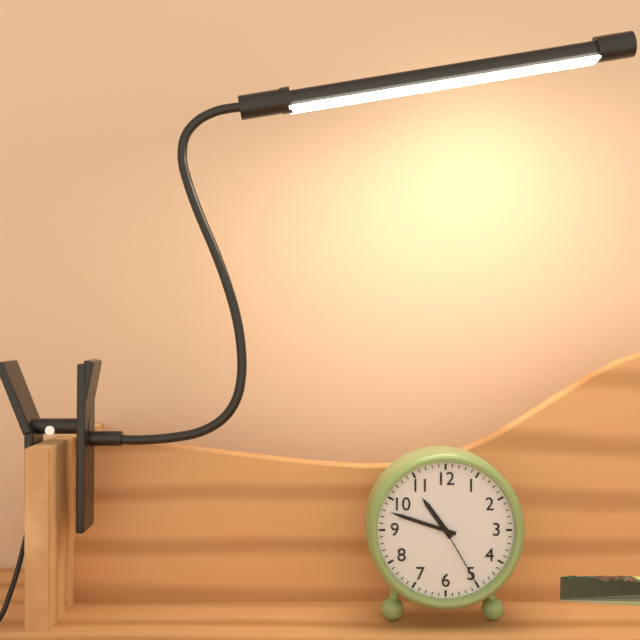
10.48.25
